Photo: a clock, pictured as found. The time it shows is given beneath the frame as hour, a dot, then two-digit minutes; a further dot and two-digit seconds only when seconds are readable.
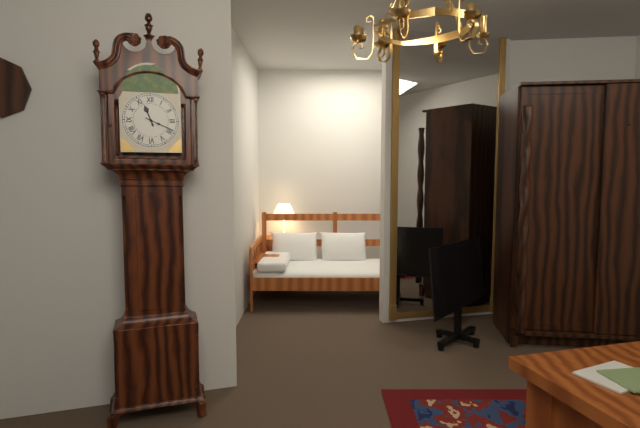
11.19
